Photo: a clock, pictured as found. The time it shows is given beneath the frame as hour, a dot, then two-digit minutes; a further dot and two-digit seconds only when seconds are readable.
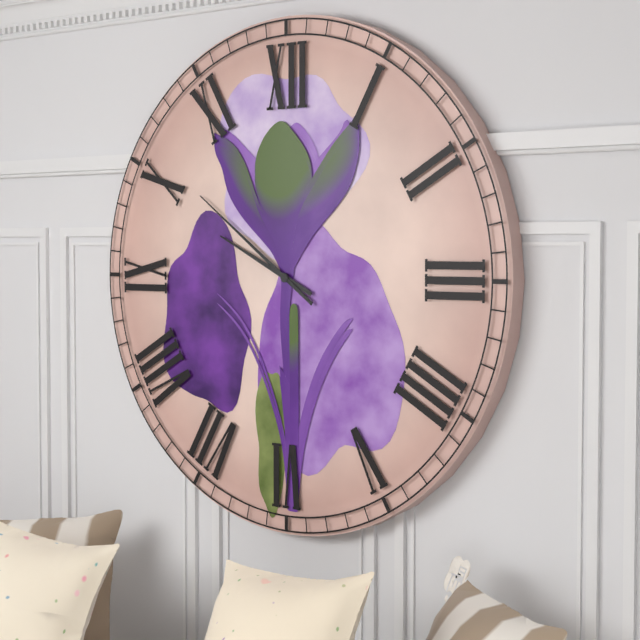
9.51
